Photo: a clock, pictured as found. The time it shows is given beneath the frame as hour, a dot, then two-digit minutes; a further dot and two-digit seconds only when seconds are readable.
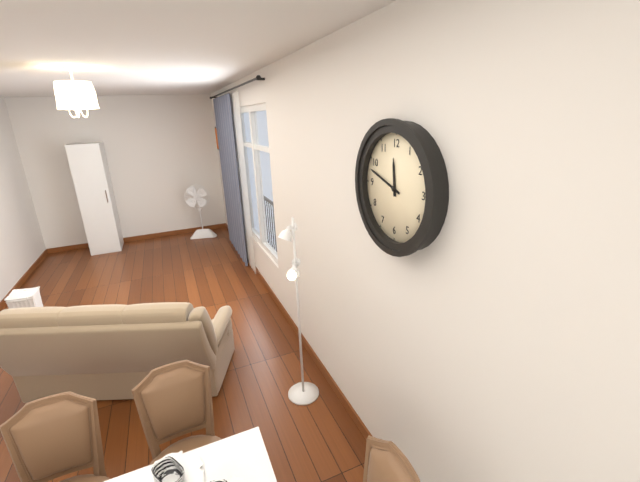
11.48
